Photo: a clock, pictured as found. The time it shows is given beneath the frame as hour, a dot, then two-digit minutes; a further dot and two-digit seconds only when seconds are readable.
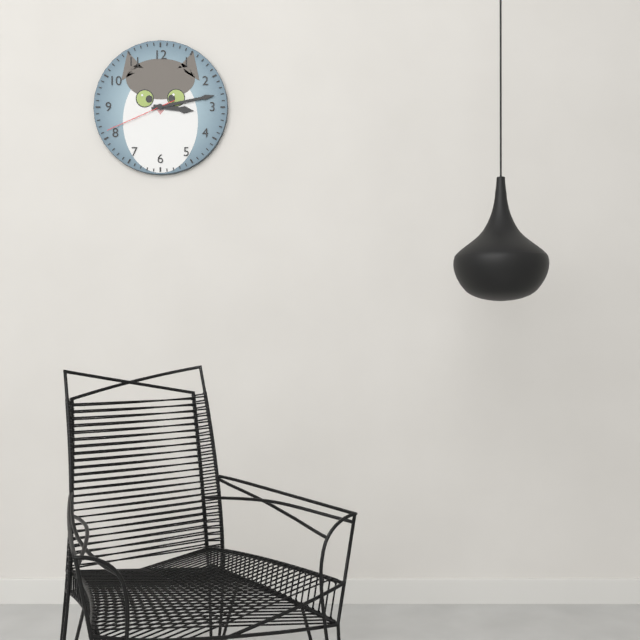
3.13.41
